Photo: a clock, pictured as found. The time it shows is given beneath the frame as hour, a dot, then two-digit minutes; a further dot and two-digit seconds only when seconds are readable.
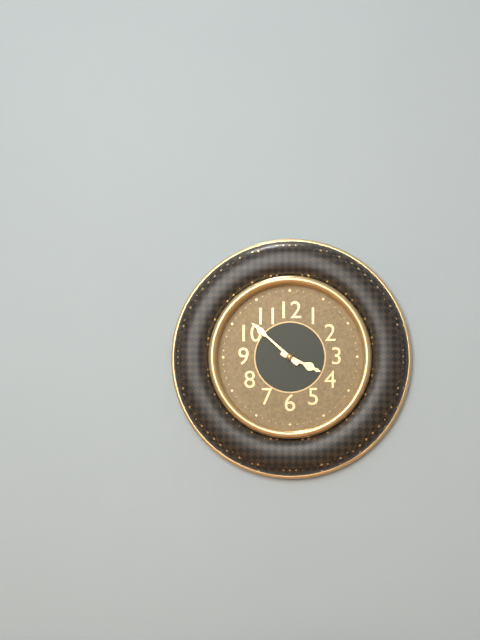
3.52
